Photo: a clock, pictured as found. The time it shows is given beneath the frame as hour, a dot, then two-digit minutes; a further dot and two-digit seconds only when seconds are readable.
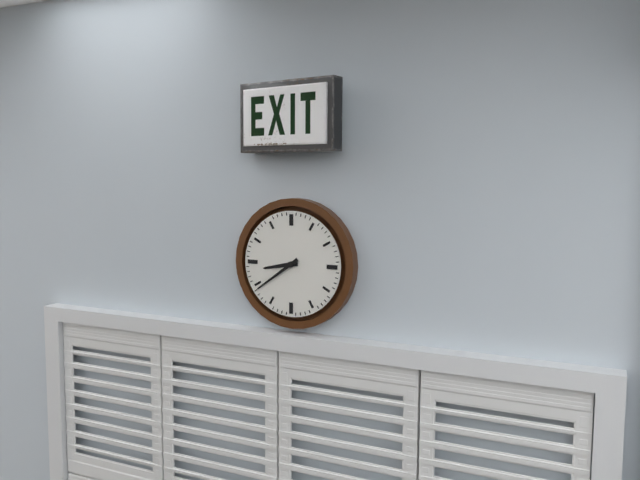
8.39
